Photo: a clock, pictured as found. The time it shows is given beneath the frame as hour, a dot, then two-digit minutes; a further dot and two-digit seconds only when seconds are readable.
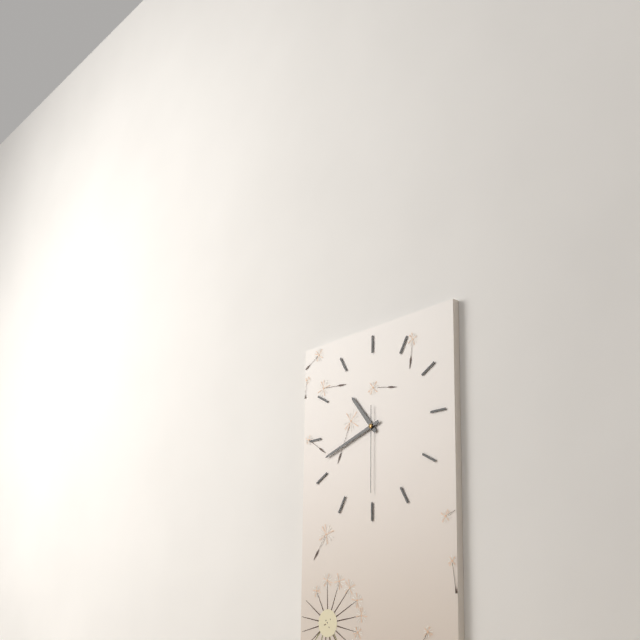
10.42.30
